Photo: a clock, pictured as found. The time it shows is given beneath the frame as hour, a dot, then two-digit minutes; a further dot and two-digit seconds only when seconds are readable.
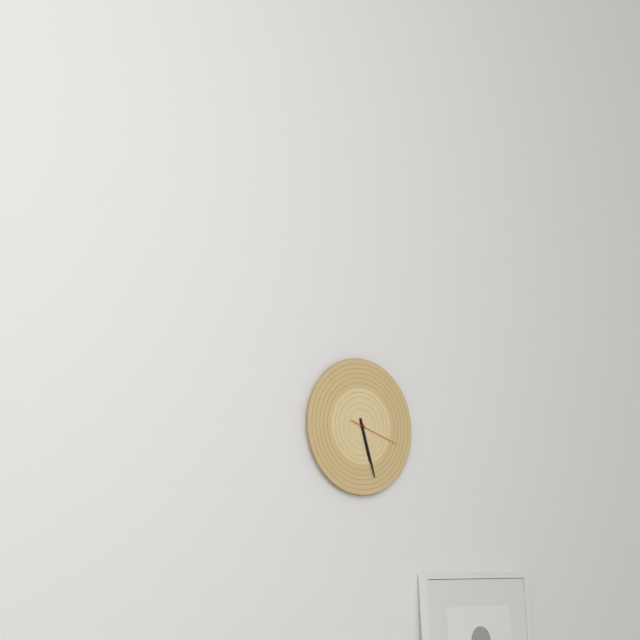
5.27
